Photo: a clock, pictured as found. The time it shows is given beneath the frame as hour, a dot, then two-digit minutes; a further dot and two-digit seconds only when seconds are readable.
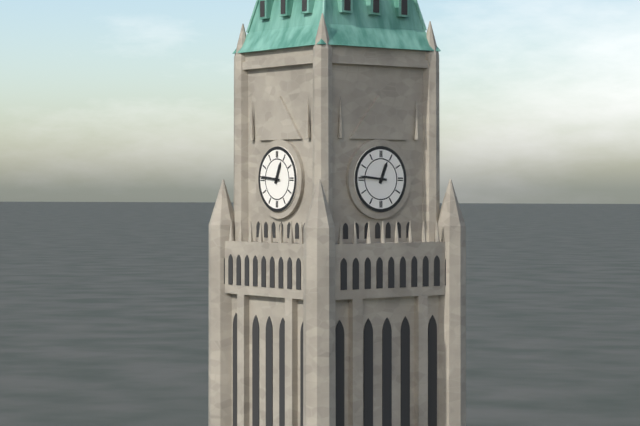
12.46
